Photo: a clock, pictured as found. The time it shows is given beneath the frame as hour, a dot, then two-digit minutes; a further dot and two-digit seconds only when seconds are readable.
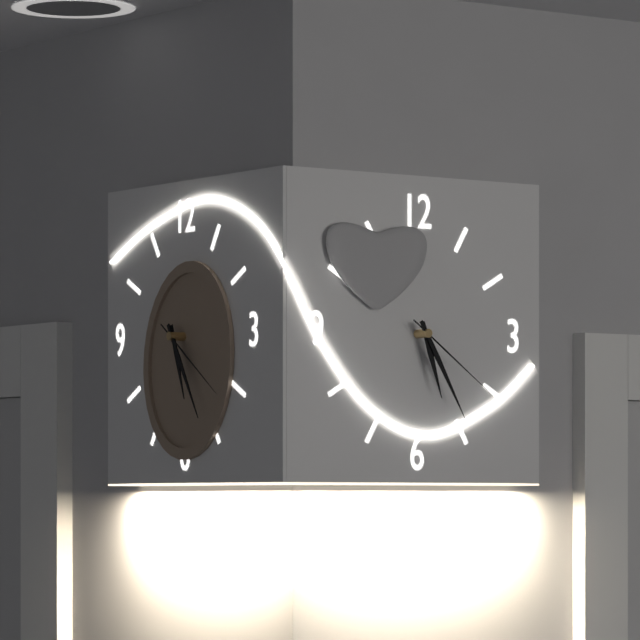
5.25.21
